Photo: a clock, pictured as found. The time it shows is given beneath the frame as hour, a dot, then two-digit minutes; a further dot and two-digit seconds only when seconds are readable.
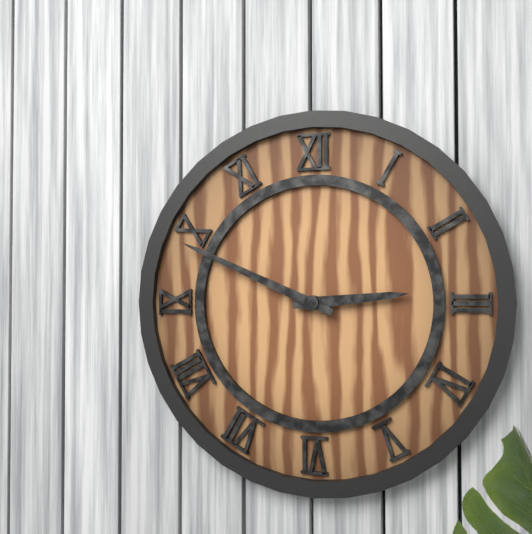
2.49
